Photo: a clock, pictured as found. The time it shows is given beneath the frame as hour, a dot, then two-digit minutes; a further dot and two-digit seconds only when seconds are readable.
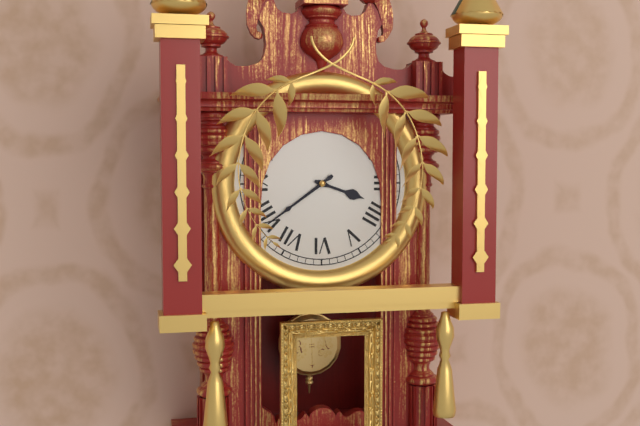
3.39
